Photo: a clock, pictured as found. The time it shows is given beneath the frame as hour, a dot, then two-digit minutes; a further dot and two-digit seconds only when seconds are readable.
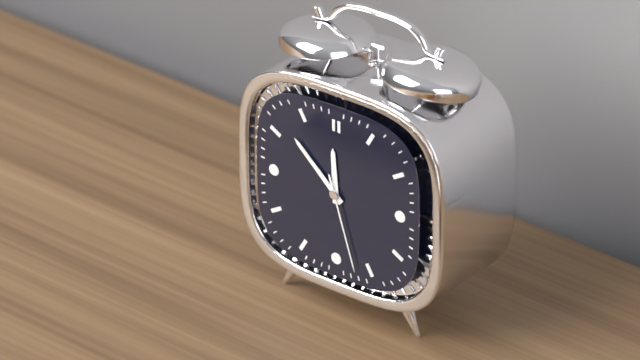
11.52.27
